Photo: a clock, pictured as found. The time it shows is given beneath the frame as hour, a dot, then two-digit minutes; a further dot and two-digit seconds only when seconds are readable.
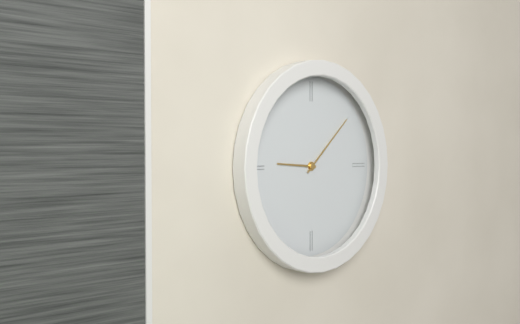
9.08
